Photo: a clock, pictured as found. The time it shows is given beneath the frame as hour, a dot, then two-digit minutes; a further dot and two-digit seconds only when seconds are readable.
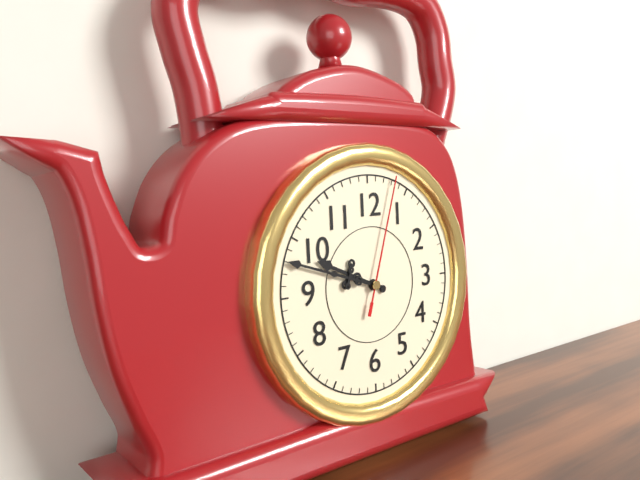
9.48.03
